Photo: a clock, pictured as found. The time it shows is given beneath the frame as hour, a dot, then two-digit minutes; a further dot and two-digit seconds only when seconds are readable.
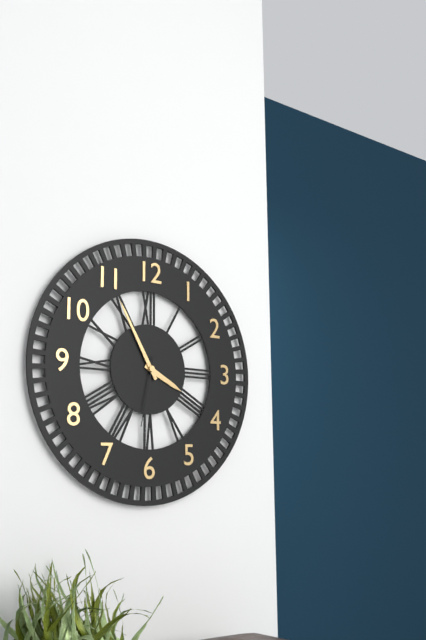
3.55.32
